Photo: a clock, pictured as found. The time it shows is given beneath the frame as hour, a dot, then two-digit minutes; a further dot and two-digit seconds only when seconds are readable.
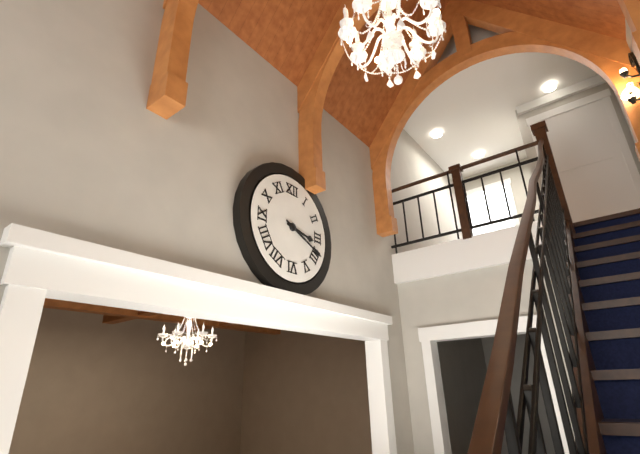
3.19
